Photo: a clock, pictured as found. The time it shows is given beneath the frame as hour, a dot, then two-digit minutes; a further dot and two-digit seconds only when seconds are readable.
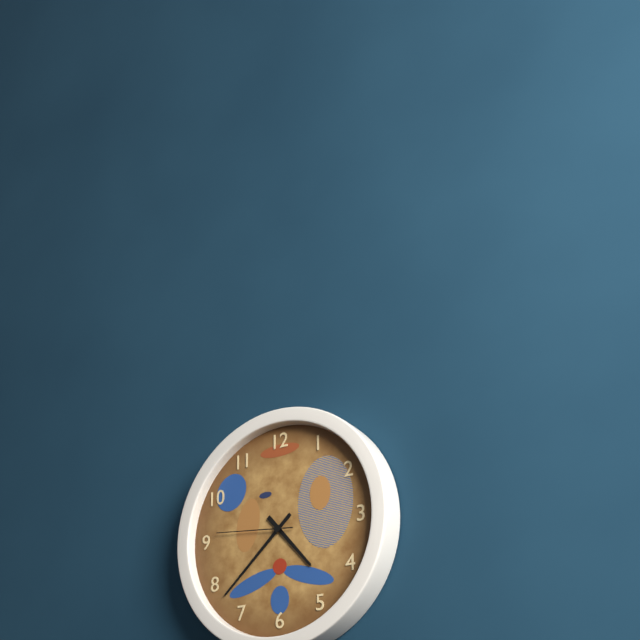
4.38.46
